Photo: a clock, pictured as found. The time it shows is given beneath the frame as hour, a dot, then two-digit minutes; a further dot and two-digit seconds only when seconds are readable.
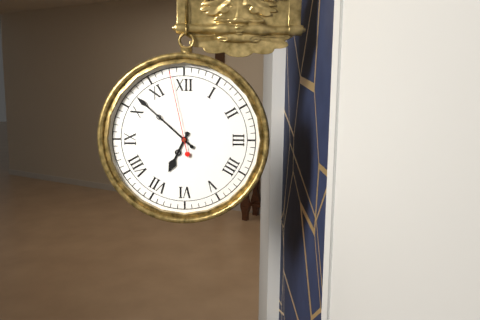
6.52.58
